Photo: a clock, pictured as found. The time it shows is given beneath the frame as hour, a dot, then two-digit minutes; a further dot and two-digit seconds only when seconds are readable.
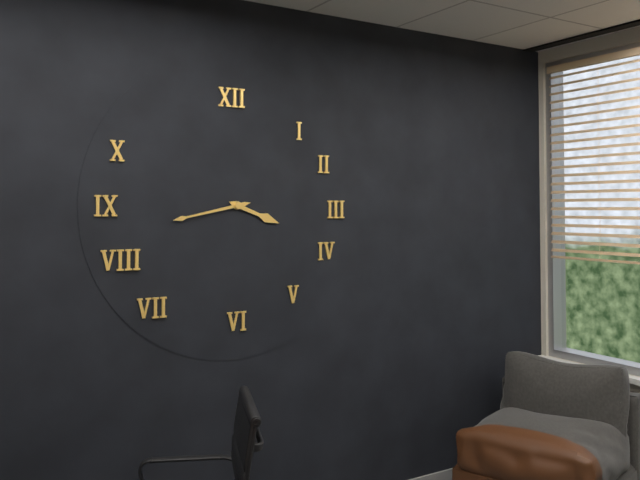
3.43
